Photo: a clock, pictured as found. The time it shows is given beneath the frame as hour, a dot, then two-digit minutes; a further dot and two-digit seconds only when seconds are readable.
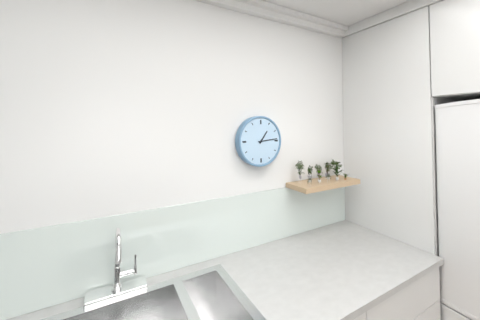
1.14
